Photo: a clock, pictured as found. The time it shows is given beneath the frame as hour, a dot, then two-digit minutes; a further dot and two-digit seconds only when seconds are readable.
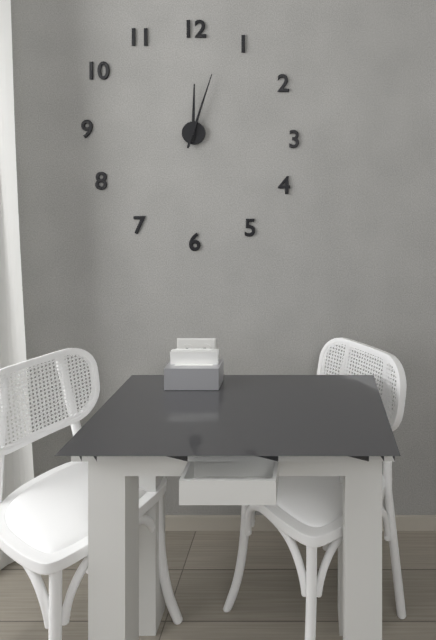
12.03
